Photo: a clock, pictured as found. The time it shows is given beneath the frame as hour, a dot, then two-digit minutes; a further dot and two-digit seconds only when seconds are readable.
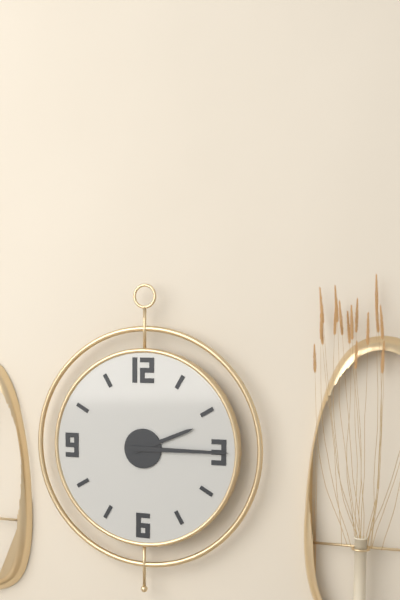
2.15
